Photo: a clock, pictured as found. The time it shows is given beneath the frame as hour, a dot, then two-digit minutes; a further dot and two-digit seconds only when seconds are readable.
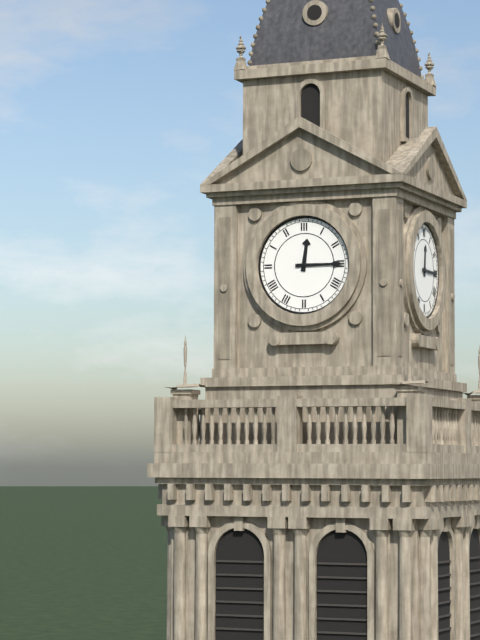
12.15
